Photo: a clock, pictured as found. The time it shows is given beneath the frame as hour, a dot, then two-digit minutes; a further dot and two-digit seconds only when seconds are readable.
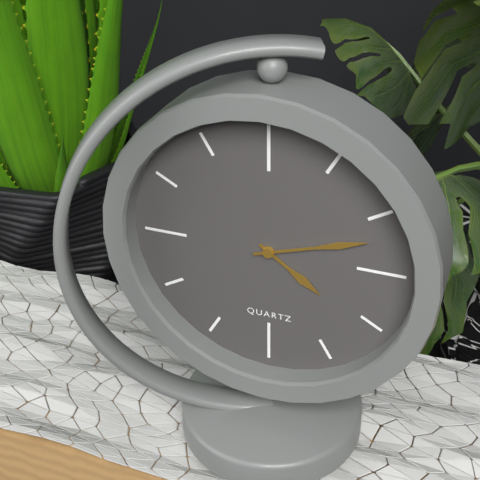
4.12
